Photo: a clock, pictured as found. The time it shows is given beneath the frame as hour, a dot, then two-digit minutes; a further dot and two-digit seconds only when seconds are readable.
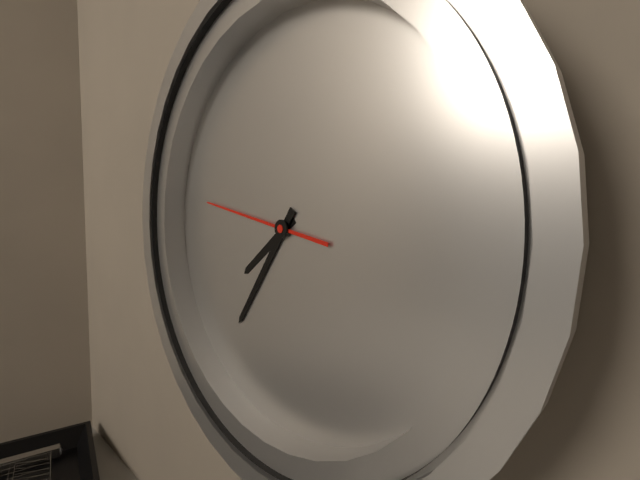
7.35.46
